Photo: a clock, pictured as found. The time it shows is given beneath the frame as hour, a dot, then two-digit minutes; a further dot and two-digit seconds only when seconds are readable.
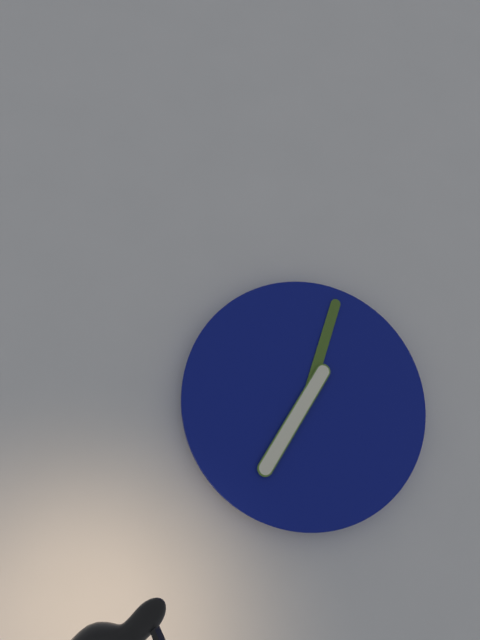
7.03
